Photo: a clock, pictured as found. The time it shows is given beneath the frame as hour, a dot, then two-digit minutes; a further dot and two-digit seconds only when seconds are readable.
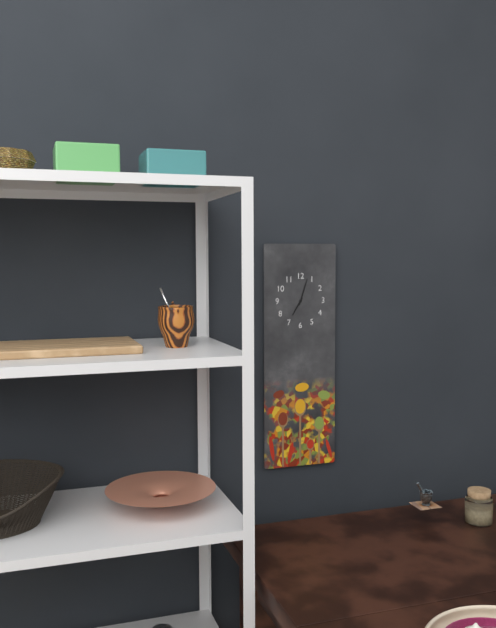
7.03
